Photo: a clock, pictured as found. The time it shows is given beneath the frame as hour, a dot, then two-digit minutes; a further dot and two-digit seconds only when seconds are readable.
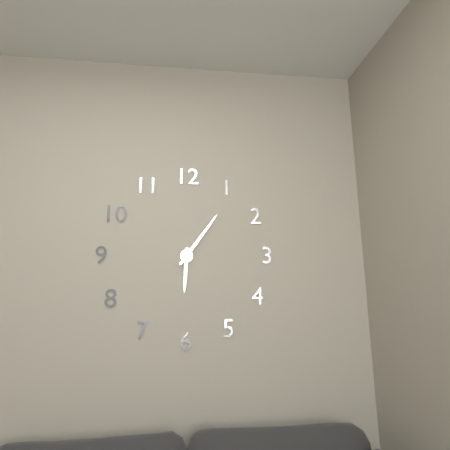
6.06
